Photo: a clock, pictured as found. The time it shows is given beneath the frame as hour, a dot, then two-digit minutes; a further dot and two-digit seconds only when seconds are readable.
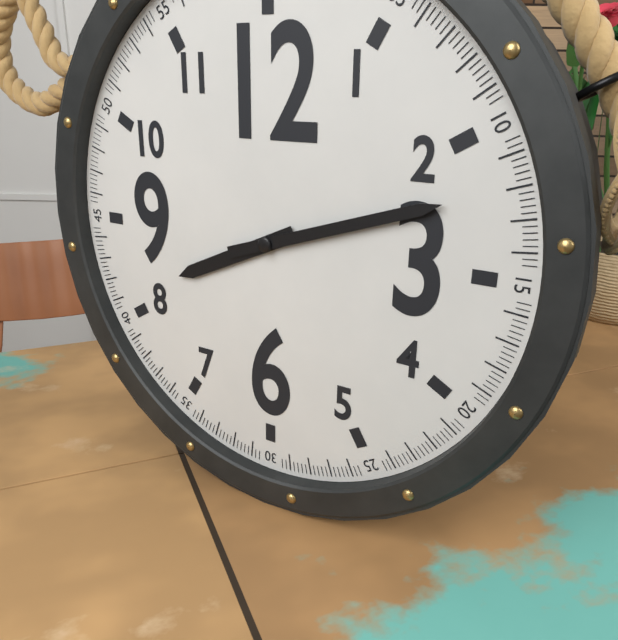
8.12
